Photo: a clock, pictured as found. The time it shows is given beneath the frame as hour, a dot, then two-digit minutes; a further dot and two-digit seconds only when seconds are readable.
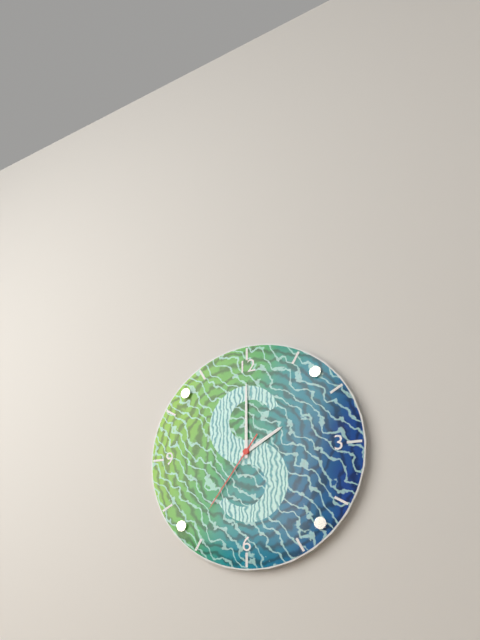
2.00.36
